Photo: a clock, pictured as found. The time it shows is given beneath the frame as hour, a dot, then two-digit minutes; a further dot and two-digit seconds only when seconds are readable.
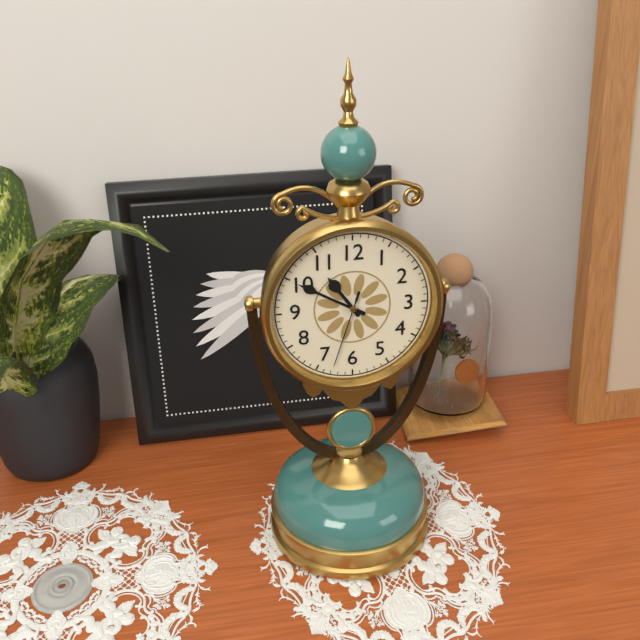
10.50.33
